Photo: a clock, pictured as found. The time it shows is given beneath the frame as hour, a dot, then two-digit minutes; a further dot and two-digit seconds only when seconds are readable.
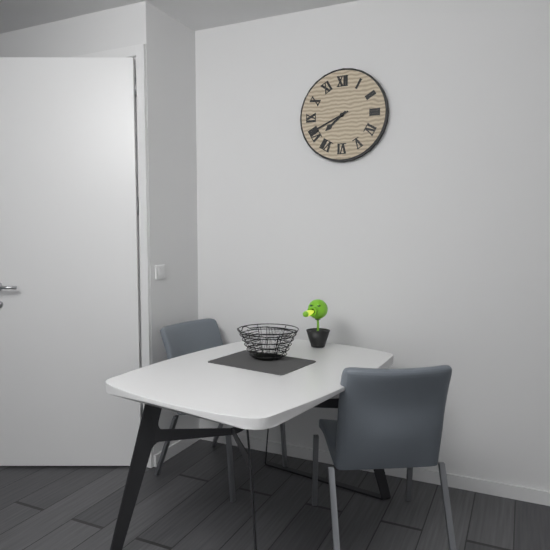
7.41
